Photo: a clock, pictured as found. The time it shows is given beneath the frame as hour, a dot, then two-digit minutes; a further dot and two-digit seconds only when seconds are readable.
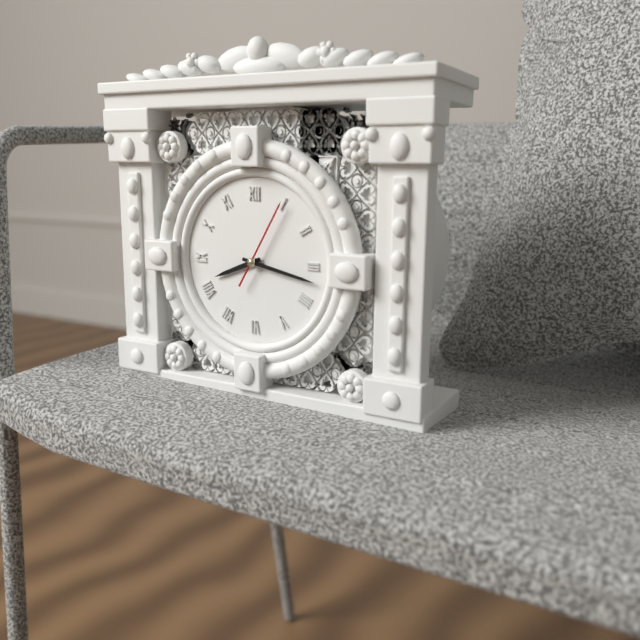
8.17.05
